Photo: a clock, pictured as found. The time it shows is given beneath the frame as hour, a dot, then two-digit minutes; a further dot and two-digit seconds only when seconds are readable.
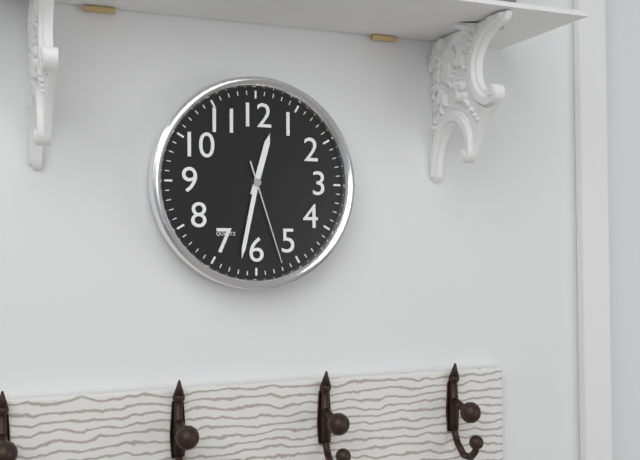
12.32.27
